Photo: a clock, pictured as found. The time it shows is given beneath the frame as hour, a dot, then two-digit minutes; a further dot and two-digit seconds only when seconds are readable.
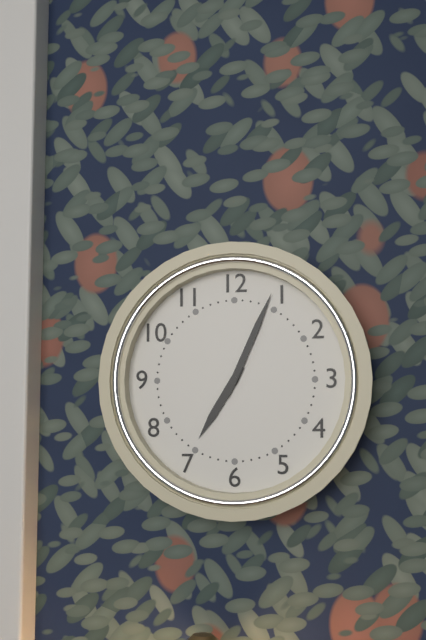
7.04
